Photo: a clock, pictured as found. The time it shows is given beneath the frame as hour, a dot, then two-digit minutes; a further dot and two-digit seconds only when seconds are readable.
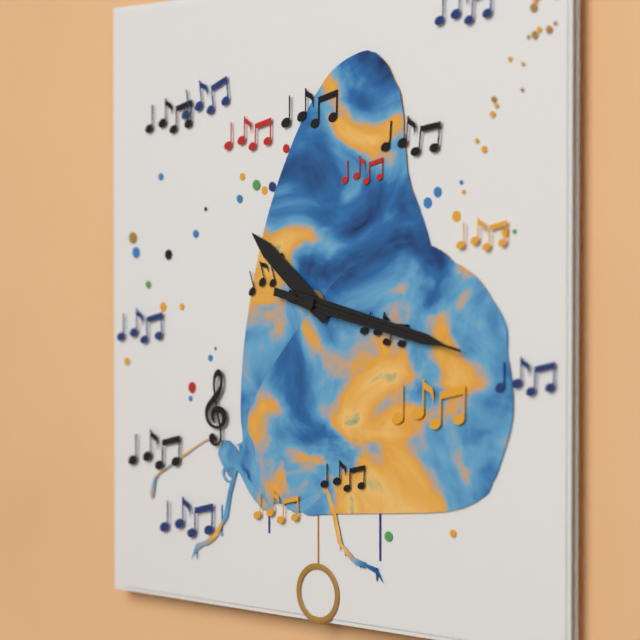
10.17.17
